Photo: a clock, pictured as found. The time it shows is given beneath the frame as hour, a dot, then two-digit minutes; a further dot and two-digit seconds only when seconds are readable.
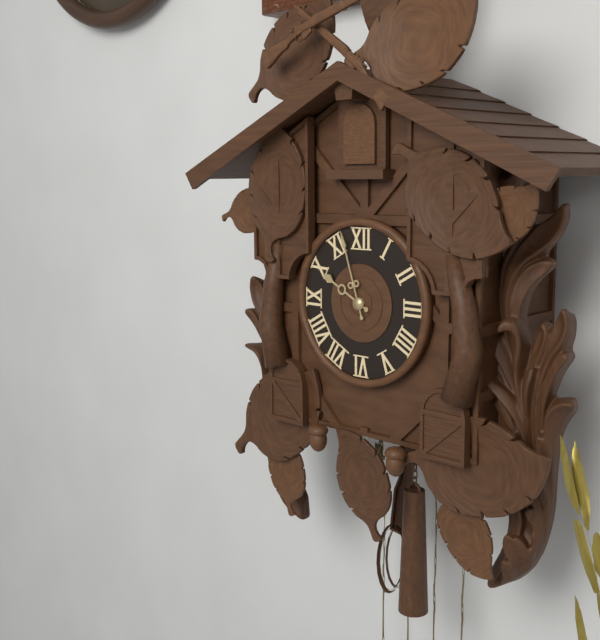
9.57
